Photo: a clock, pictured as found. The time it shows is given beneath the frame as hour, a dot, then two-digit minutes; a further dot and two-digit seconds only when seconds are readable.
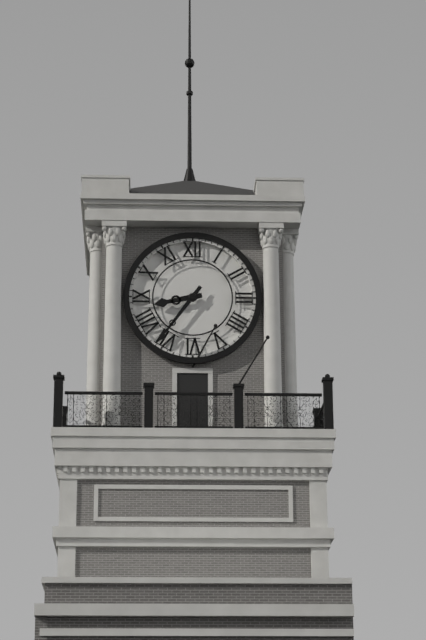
8.36
